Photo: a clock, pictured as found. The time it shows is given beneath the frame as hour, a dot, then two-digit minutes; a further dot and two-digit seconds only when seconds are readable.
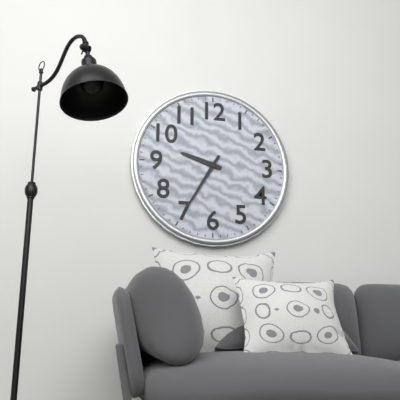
9.35
